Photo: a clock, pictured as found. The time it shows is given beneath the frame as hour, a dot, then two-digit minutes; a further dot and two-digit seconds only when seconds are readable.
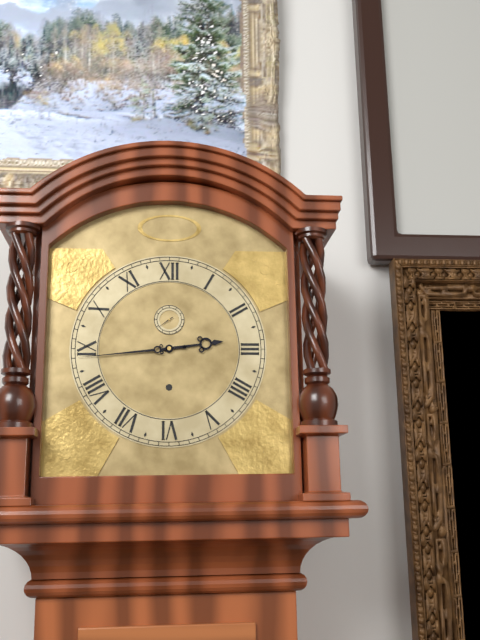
2.44
